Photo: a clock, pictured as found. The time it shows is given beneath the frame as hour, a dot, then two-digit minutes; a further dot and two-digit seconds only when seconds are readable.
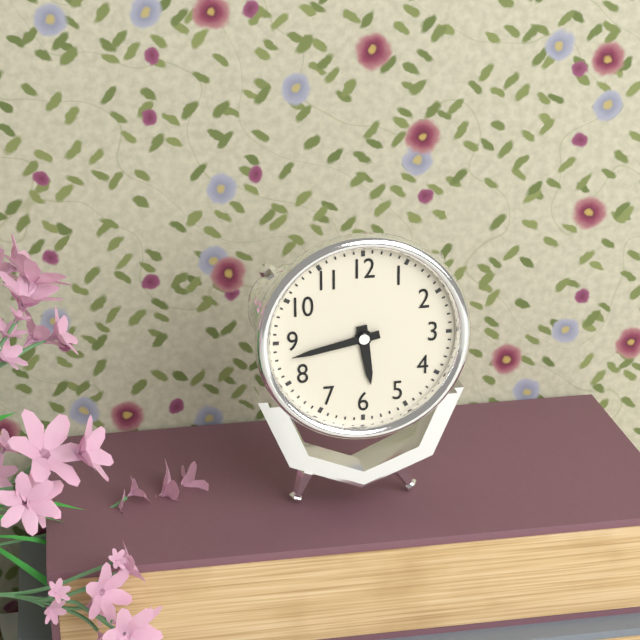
5.43
